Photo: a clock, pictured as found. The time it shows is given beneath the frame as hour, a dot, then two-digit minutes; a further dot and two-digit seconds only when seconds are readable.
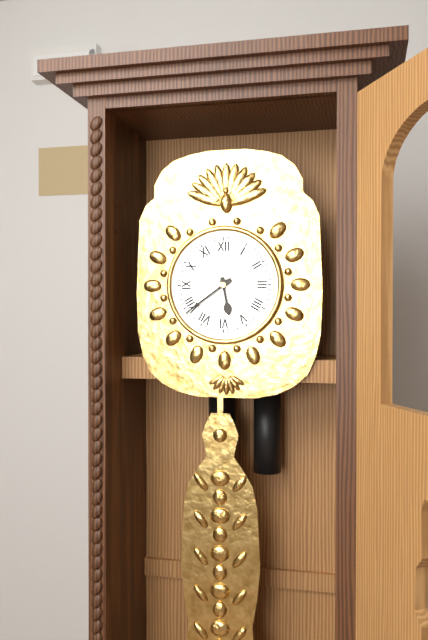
5.39
